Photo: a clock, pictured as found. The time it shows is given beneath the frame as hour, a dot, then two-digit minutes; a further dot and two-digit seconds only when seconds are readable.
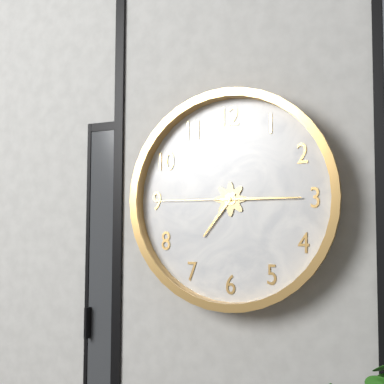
7.15.45
